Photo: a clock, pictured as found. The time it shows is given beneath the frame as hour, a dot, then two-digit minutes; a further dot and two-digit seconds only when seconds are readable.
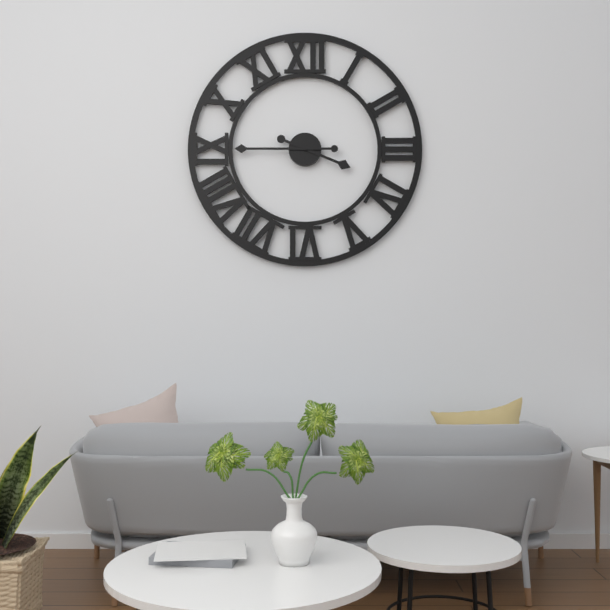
3.45
